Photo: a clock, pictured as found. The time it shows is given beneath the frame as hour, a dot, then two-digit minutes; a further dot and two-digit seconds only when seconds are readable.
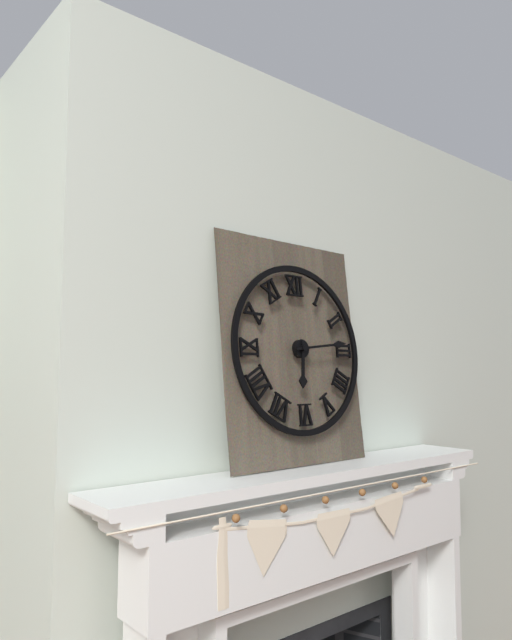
6.14
